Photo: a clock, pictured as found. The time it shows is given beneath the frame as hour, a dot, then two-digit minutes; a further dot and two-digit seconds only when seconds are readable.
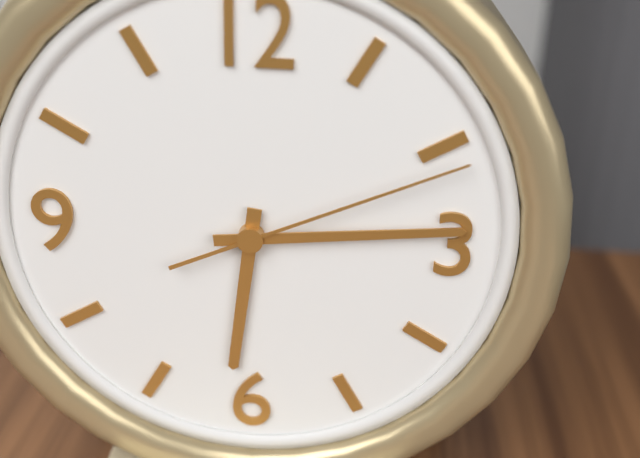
6.14.11
